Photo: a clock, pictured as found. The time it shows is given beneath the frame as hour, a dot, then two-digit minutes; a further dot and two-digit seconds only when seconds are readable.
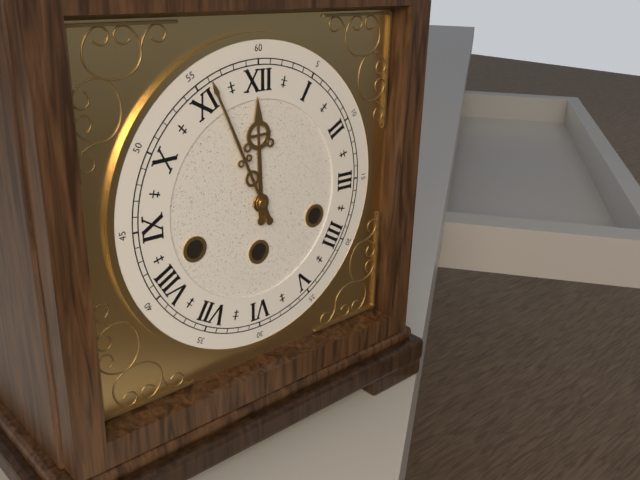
11.56
